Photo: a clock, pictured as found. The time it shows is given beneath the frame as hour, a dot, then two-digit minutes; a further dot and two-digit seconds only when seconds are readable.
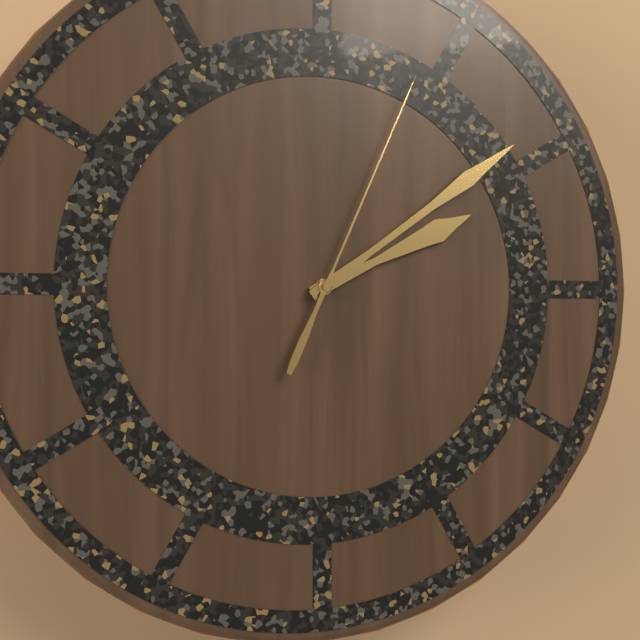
2.09.04
